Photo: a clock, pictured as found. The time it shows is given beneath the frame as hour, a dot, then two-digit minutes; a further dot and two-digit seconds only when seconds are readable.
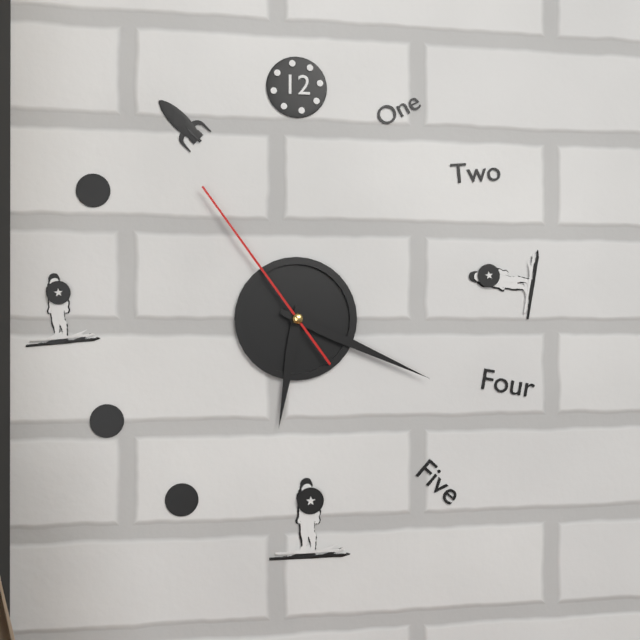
6.19.54
